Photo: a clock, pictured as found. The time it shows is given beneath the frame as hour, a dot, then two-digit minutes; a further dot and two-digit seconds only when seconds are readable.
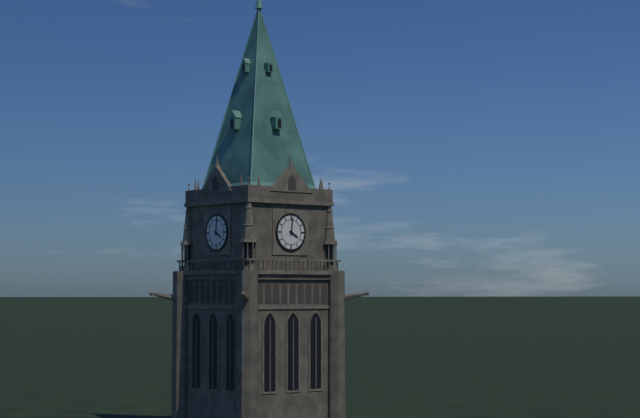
4.01
